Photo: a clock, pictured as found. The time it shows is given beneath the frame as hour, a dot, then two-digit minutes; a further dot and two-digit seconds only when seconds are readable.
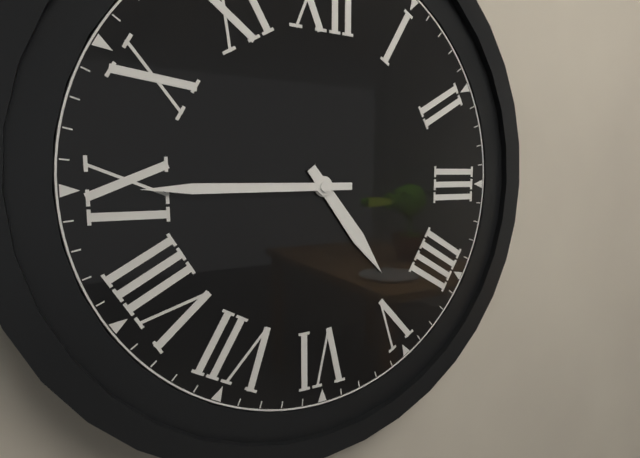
4.45
